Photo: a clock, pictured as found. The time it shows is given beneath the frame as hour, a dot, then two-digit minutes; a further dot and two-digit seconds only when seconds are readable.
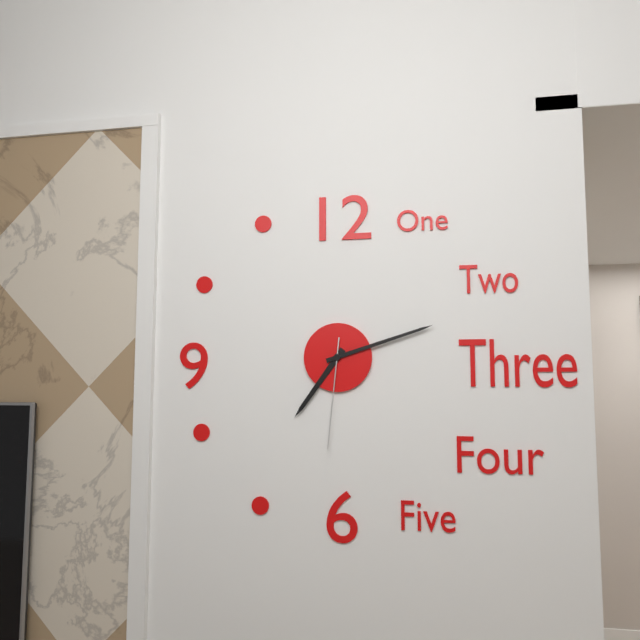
7.12.31
